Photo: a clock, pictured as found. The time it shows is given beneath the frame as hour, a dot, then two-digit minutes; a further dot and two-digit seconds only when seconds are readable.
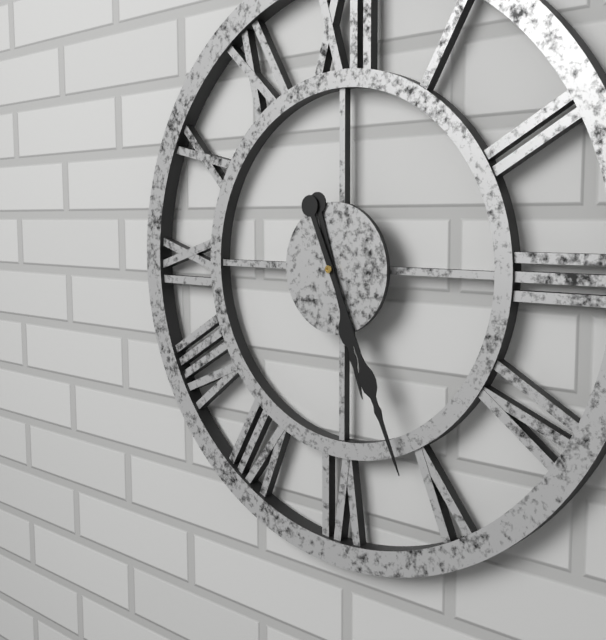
5.26
